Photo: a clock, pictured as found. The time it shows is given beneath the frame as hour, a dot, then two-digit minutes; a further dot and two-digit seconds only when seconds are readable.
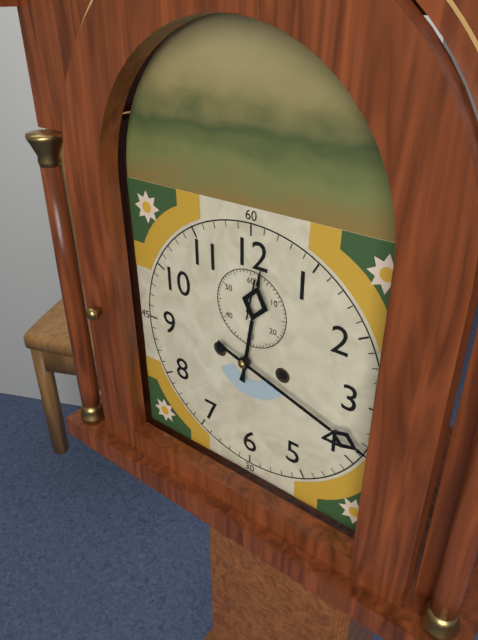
12.18
